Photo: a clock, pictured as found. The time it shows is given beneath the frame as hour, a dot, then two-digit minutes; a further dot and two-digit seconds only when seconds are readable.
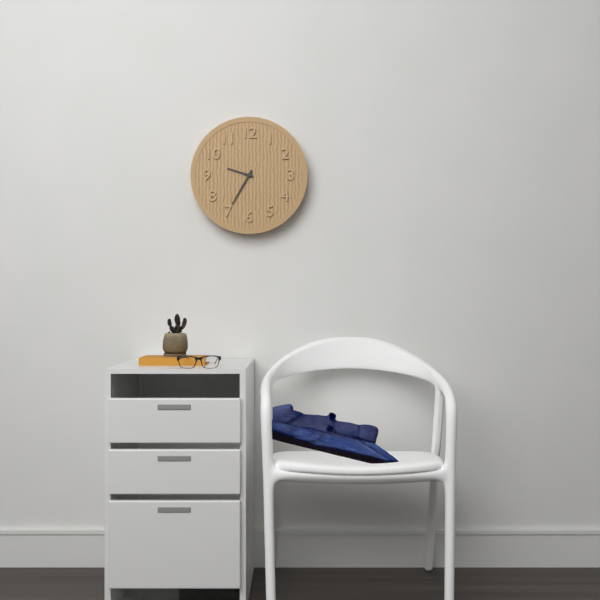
9.35
